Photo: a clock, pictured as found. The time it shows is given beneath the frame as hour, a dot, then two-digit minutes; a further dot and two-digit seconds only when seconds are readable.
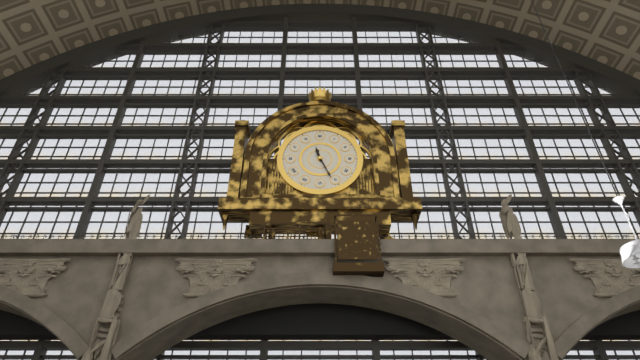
11.26
